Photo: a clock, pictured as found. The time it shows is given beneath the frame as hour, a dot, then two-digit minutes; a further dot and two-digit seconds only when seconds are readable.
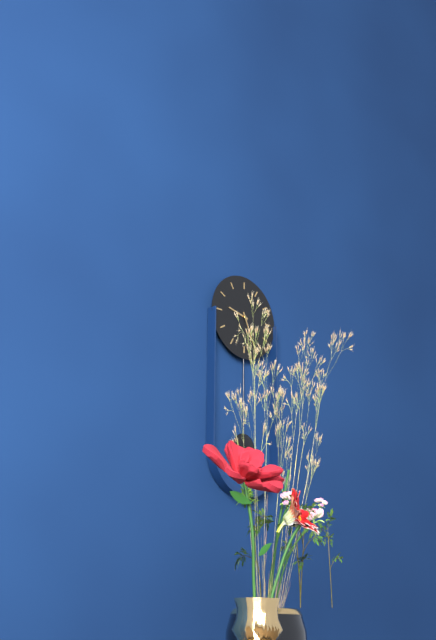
9.26
